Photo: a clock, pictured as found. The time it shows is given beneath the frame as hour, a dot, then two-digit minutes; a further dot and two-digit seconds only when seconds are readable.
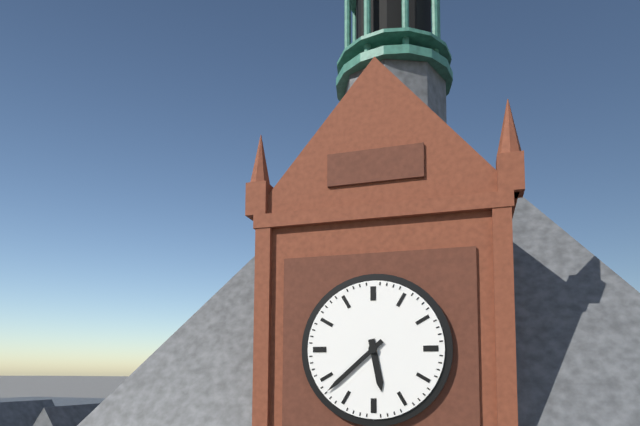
5.38
